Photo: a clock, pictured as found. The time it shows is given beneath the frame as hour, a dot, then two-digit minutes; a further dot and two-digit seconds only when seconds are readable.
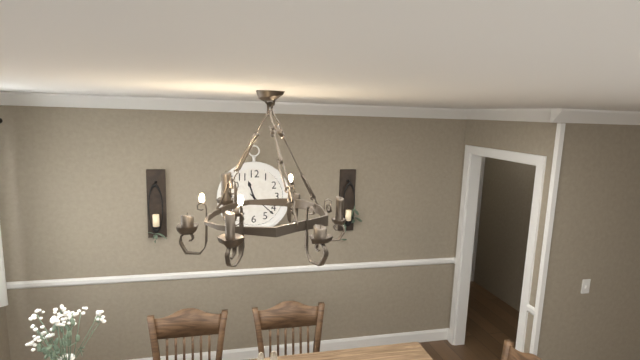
11.22
